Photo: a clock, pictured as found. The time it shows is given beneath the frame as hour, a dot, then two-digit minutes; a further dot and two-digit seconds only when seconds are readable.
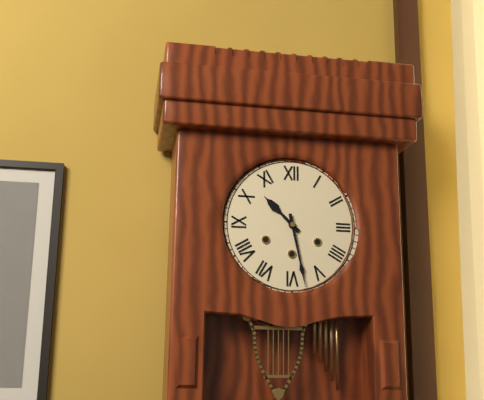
10.28
